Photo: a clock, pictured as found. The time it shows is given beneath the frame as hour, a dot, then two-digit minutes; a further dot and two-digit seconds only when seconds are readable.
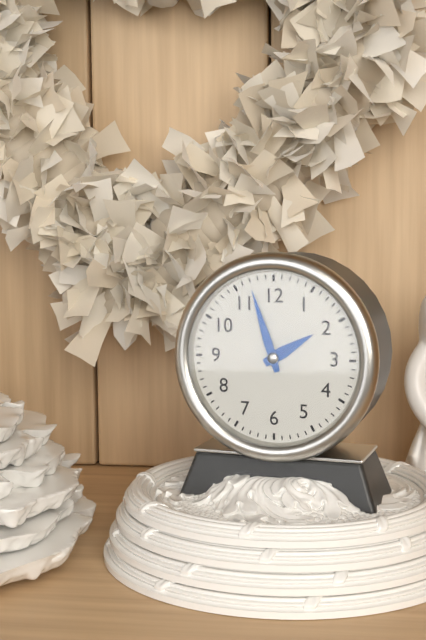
1.57
